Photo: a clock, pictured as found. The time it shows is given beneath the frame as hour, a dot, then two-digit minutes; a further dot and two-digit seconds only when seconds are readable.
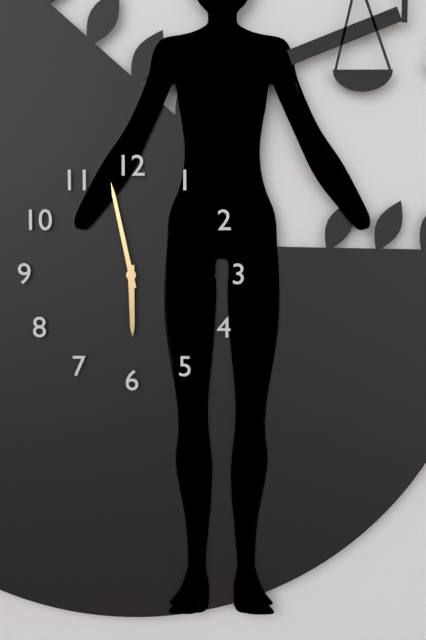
5.58
